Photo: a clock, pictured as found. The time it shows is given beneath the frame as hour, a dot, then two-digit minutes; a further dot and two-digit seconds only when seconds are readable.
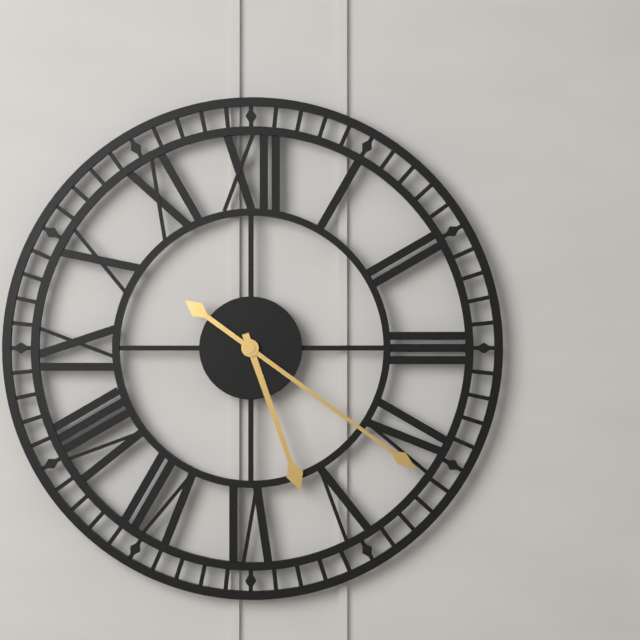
5.21
